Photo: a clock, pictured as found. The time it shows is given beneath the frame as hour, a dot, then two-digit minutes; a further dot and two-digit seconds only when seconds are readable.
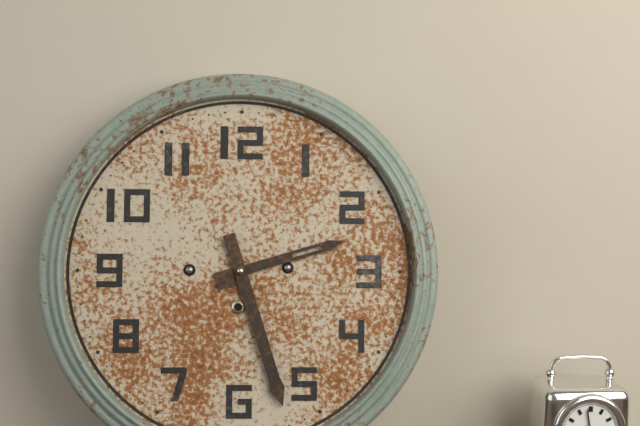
2.27
